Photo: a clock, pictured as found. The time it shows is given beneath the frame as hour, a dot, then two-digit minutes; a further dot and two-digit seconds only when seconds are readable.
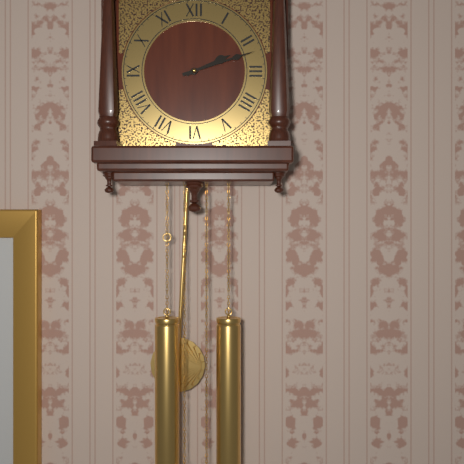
2.12
